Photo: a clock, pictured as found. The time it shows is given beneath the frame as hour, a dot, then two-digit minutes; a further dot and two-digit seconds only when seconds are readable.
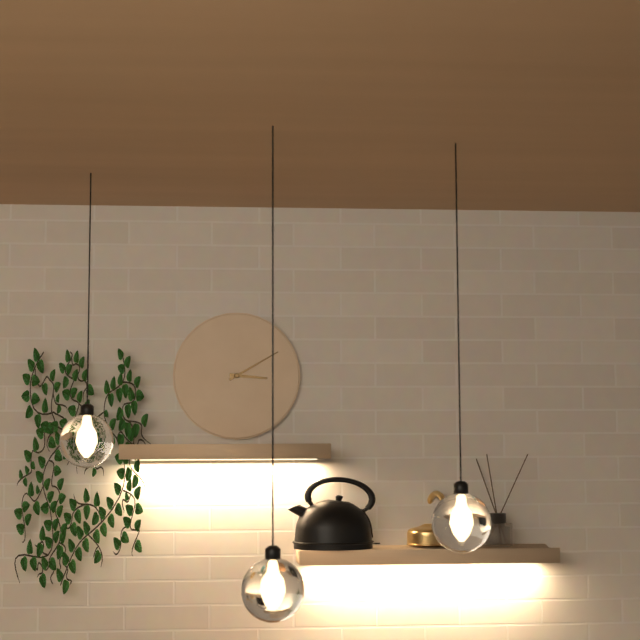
3.10
